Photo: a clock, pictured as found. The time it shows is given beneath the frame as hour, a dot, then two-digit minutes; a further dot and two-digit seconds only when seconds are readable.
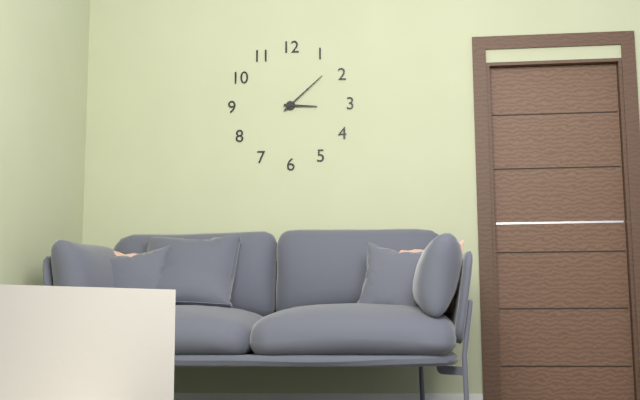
3.08
